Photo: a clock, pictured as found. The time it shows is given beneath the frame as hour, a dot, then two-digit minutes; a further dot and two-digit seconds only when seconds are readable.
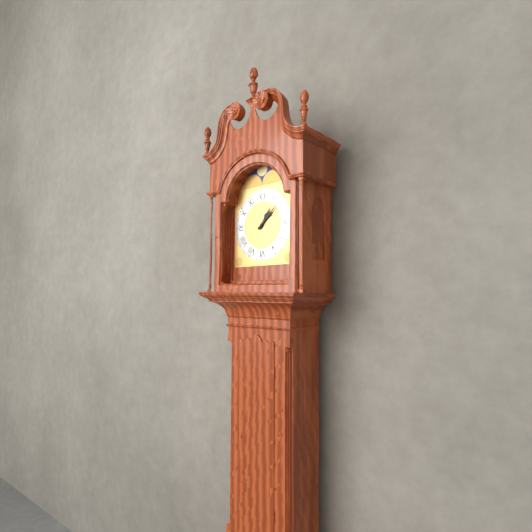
1.08
